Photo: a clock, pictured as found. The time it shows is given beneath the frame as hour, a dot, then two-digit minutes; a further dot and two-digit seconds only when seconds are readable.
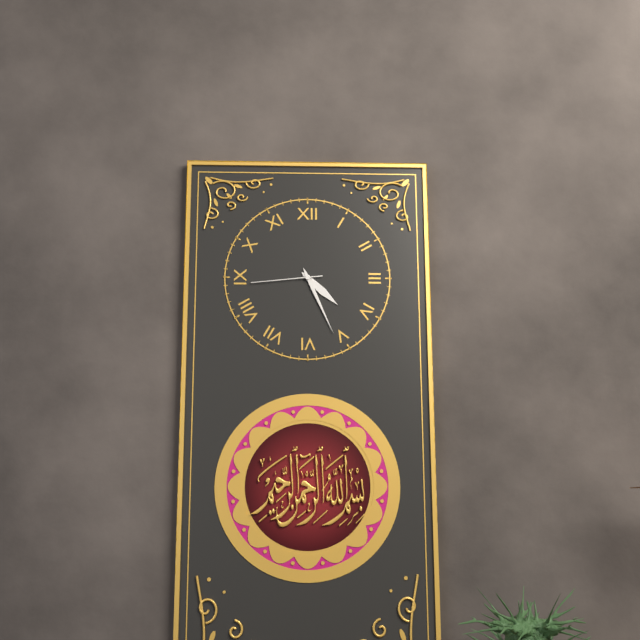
4.26.44
